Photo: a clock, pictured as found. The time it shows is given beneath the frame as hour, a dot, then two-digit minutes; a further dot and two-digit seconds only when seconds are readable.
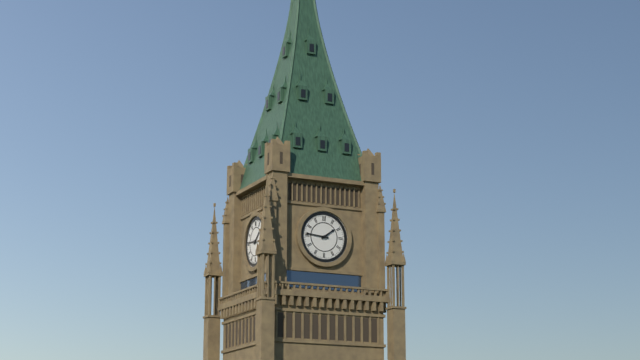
1.46
